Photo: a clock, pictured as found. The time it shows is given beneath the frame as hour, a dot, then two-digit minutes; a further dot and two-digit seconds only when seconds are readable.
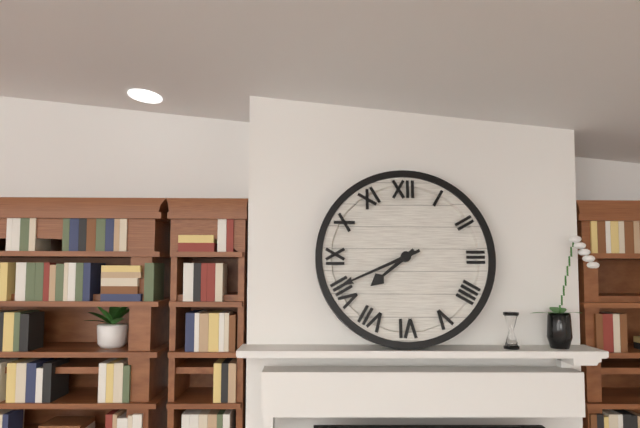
7.41
